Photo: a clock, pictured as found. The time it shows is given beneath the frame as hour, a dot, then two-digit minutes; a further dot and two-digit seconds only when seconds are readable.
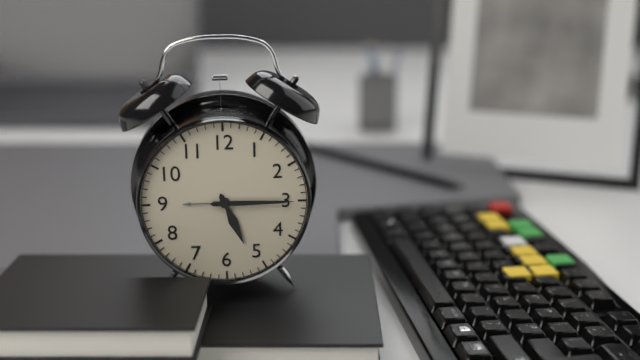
5.15
